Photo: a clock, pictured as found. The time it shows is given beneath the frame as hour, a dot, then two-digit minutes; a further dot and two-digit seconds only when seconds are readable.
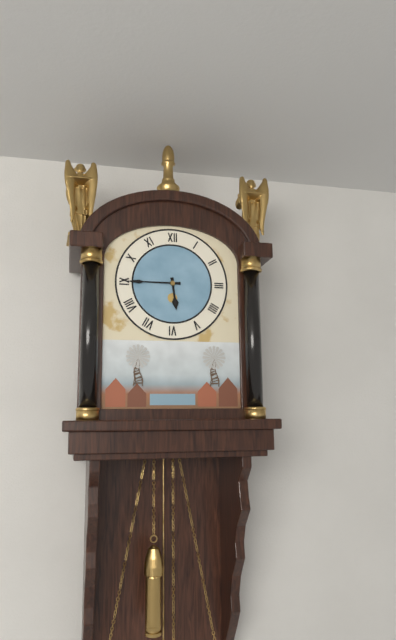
5.45
